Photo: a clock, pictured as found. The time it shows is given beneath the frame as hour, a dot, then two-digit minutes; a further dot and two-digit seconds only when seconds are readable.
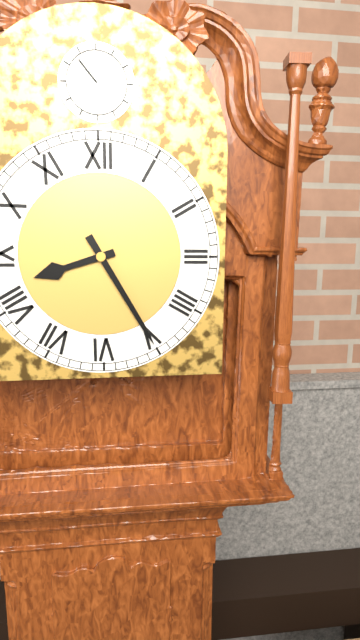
8.25
